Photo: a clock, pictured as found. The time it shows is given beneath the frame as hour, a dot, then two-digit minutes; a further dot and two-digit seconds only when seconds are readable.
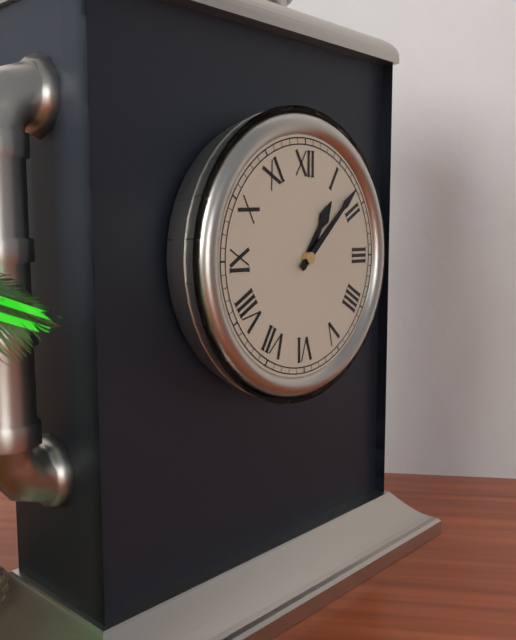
1.08
